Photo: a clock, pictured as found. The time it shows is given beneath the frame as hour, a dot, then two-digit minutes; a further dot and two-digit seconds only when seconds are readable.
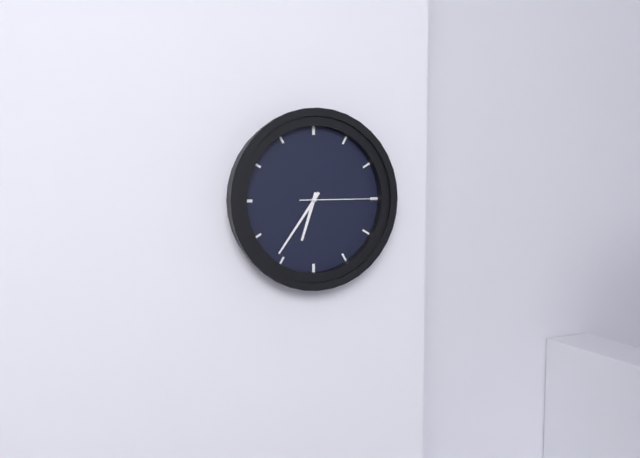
6.36.15
